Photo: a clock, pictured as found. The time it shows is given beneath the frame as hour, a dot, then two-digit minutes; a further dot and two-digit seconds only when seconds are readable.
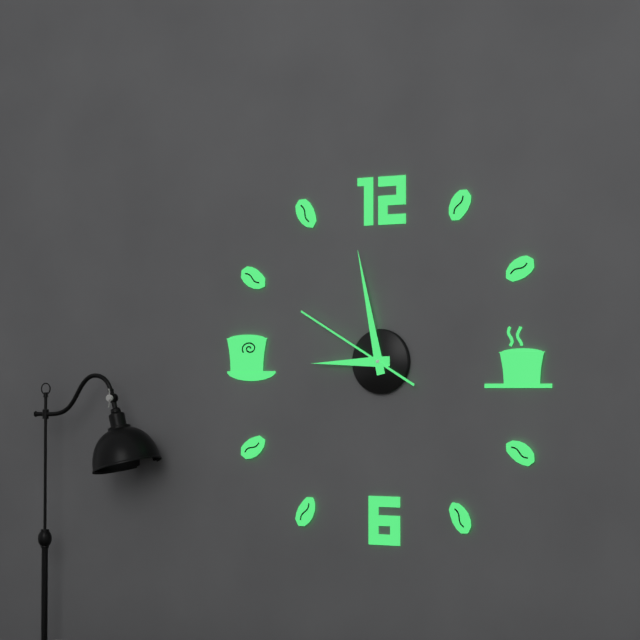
8.58.50
